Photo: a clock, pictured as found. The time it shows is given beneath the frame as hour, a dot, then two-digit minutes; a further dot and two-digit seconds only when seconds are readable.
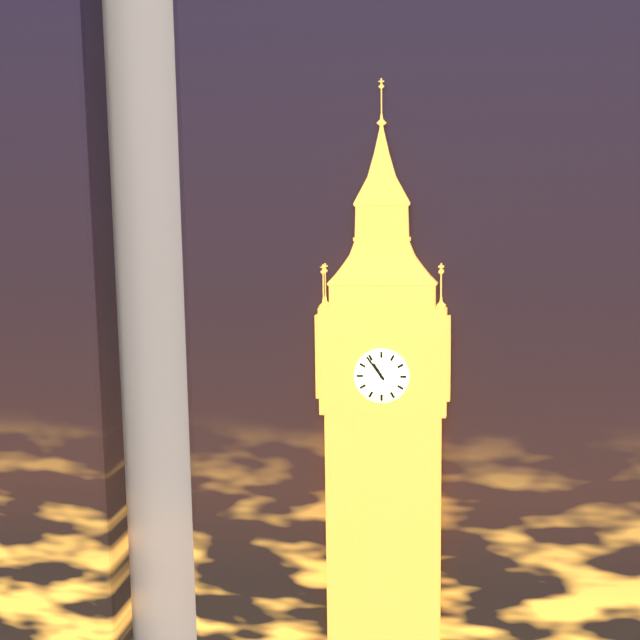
10.54
